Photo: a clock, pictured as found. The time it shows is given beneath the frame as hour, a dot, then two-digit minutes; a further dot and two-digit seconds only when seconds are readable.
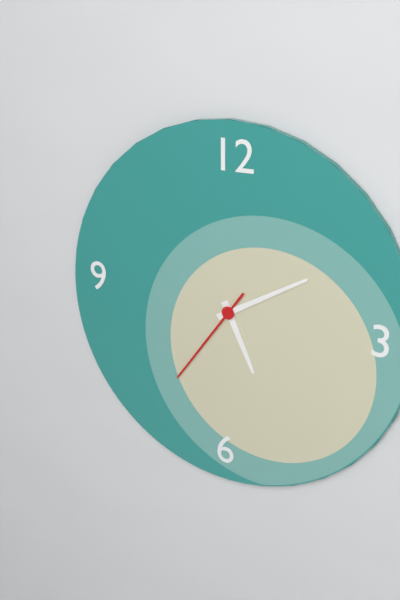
5.10.36
